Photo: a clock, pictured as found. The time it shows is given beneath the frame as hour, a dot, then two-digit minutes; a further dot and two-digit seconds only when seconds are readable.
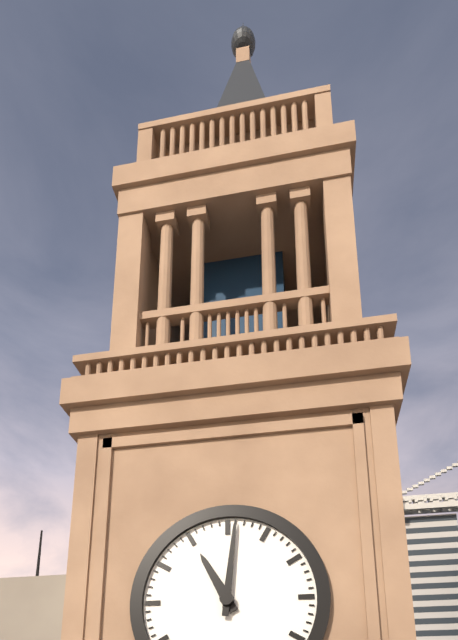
11.01
